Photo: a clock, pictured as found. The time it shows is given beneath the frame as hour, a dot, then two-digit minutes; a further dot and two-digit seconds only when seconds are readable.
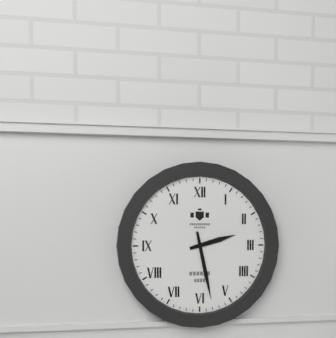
2.28
